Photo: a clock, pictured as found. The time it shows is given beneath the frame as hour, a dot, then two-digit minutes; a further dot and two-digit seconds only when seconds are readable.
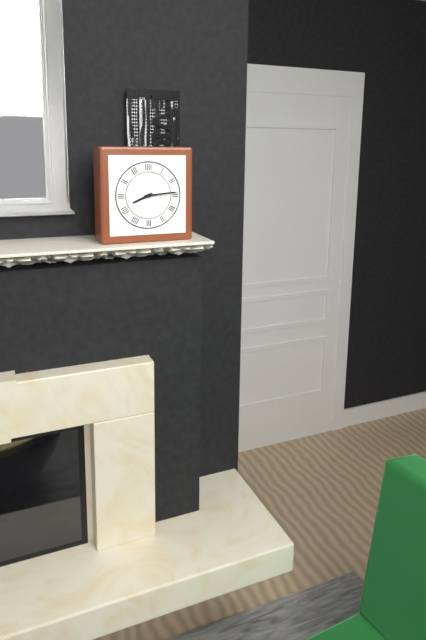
8.14
